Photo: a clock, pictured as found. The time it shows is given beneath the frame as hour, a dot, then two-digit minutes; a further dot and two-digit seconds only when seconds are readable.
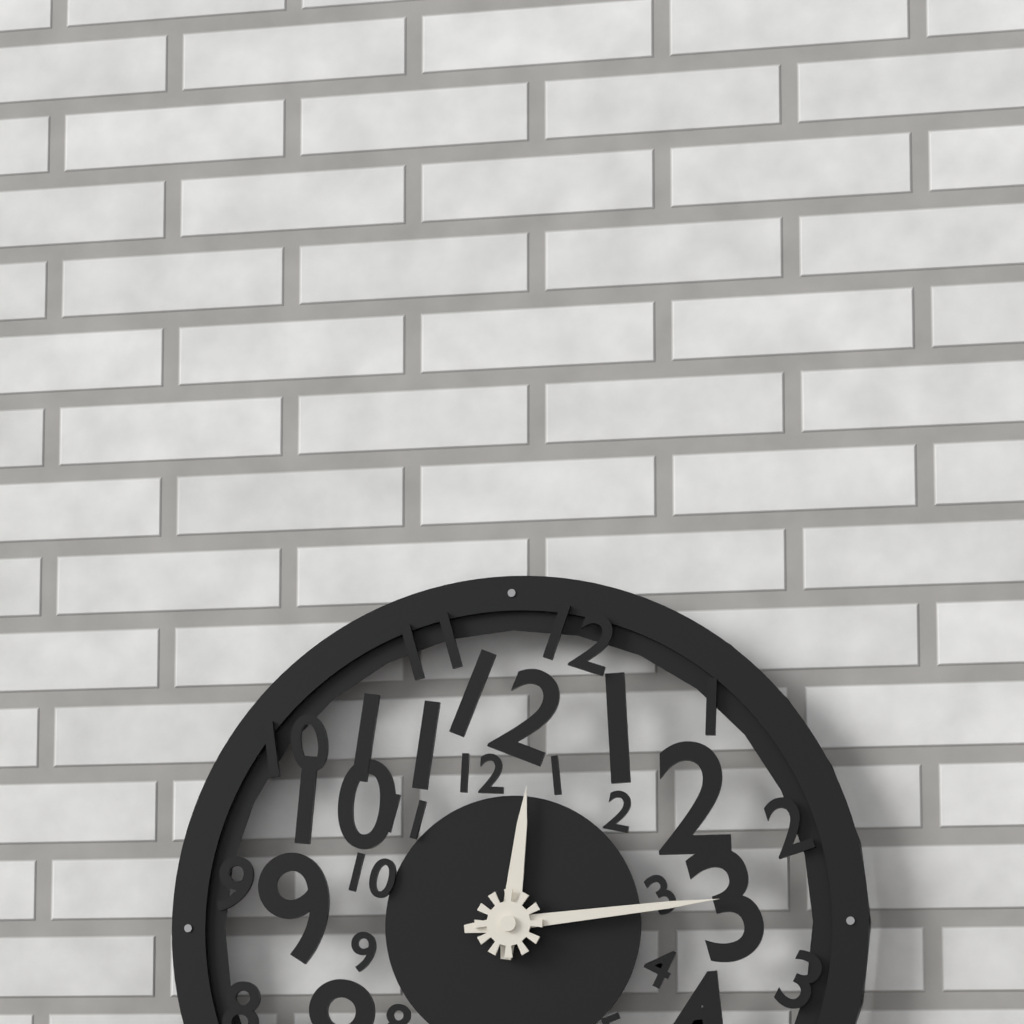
12.14
